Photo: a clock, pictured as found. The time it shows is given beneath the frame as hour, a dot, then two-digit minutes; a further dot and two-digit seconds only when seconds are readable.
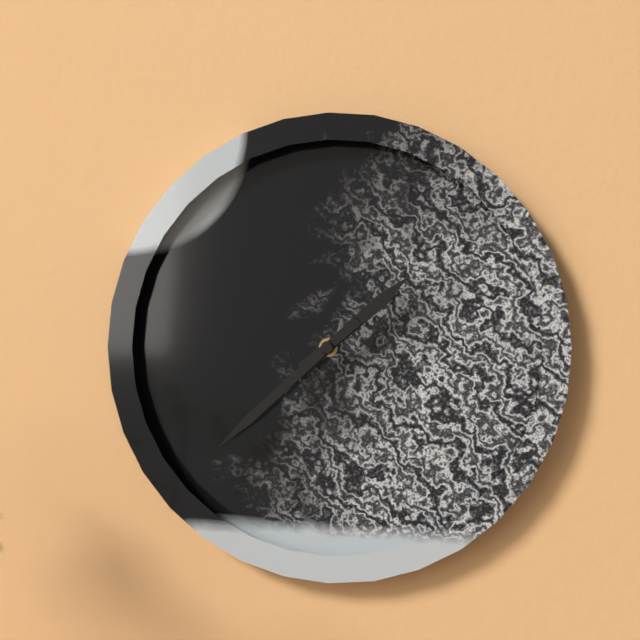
1.38
